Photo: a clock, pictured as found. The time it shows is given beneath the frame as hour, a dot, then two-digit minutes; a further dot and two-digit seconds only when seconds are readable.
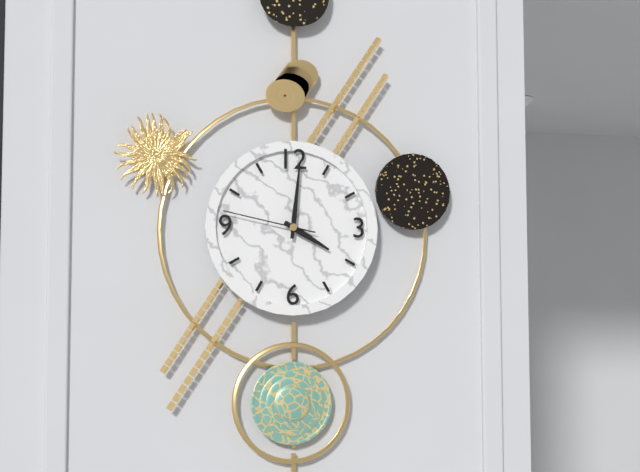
4.01.47
